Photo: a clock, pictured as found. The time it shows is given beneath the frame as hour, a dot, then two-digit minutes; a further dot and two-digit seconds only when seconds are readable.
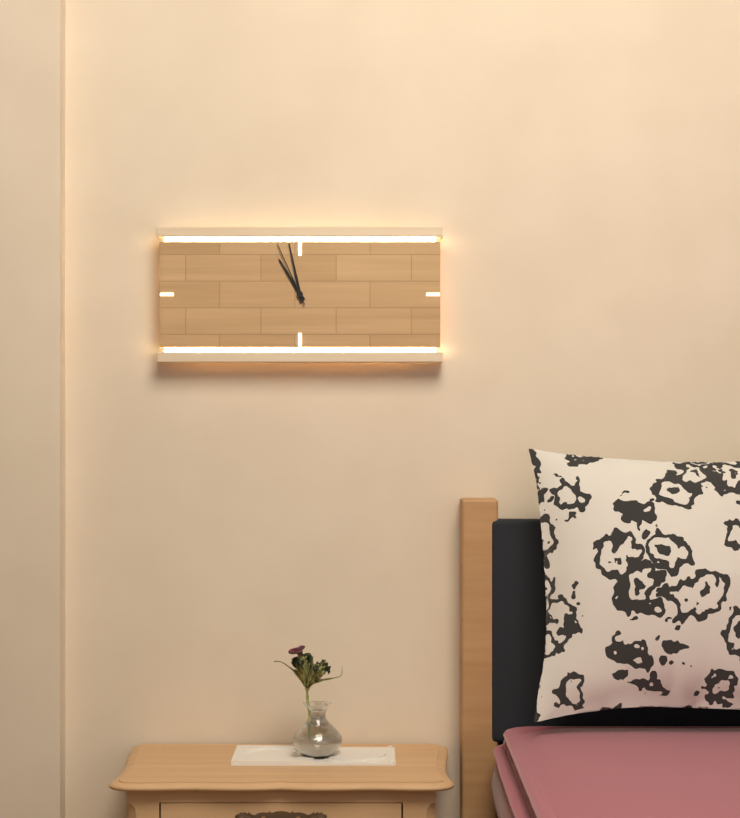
10.58.56
